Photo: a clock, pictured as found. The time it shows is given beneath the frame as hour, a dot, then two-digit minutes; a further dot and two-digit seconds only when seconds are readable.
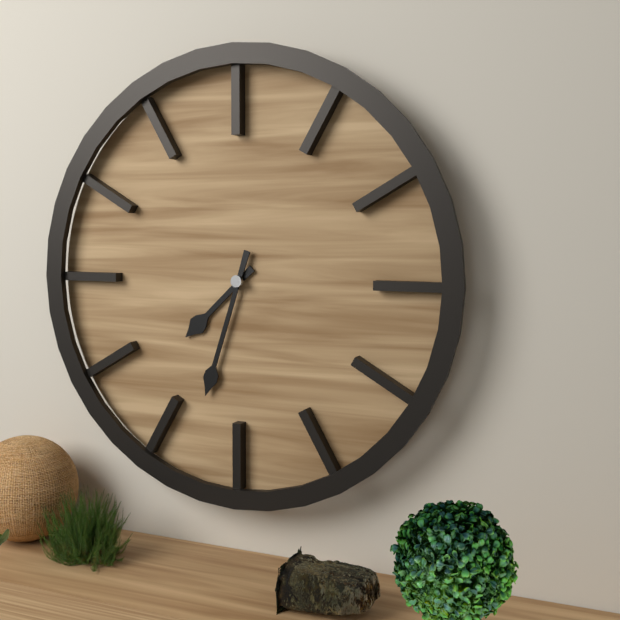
7.33
